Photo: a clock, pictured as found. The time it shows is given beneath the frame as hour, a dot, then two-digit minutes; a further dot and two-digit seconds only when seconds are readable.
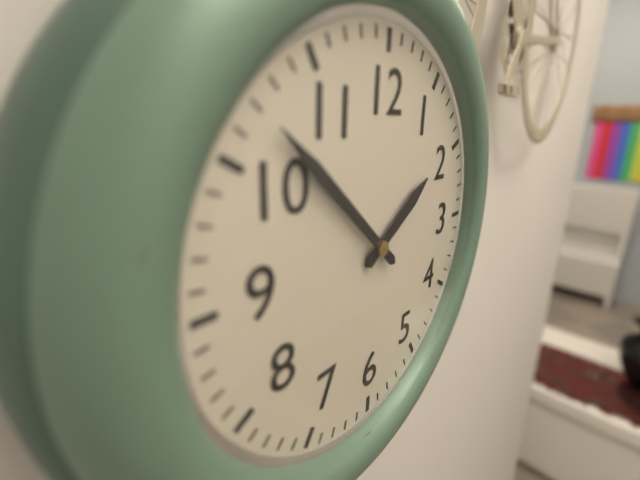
1.52
